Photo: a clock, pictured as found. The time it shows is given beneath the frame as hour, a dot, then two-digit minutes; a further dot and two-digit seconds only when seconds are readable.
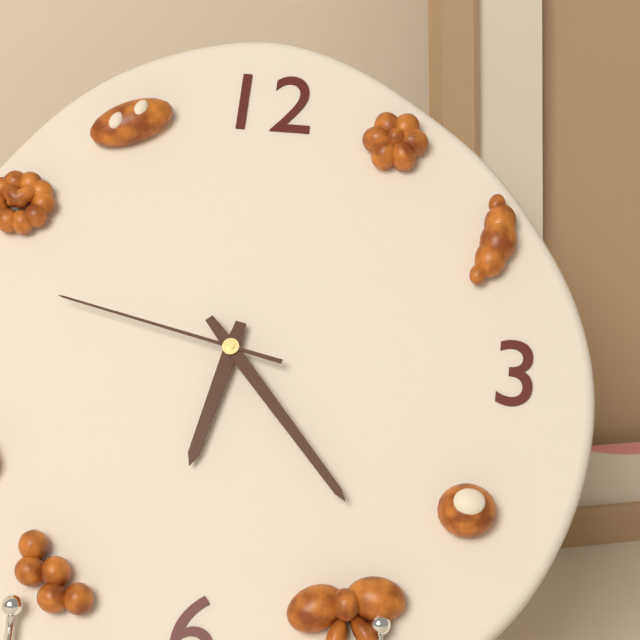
6.23.47
